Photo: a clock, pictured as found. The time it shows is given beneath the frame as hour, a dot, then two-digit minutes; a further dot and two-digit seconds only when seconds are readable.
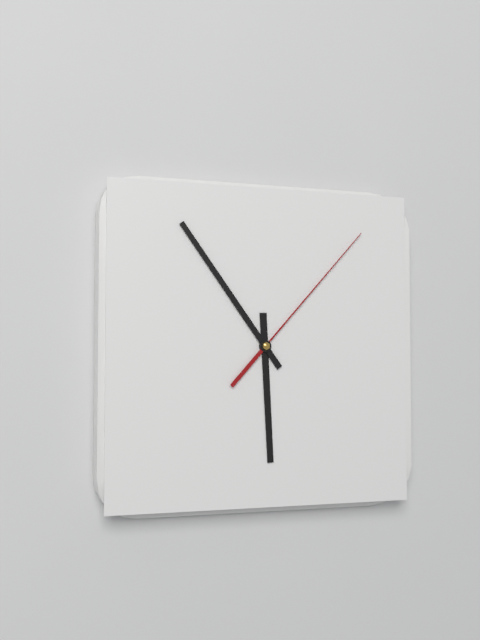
5.54.07
